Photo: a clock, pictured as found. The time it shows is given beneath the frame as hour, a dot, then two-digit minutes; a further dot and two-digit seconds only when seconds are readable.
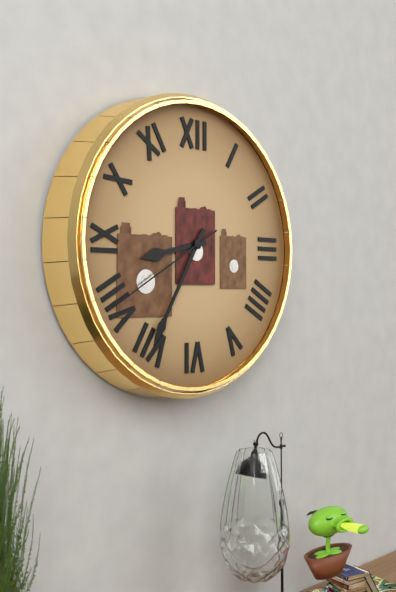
8.35.40
